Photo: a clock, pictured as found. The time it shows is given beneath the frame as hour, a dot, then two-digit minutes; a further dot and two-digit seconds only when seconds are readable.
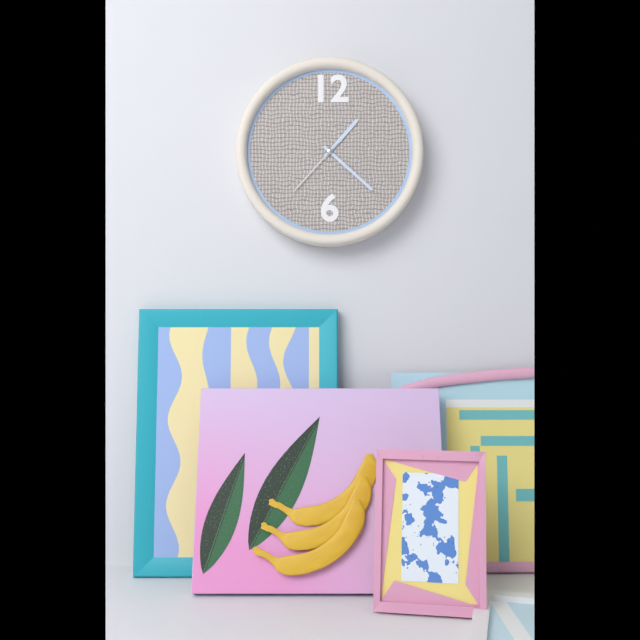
1.22.37
